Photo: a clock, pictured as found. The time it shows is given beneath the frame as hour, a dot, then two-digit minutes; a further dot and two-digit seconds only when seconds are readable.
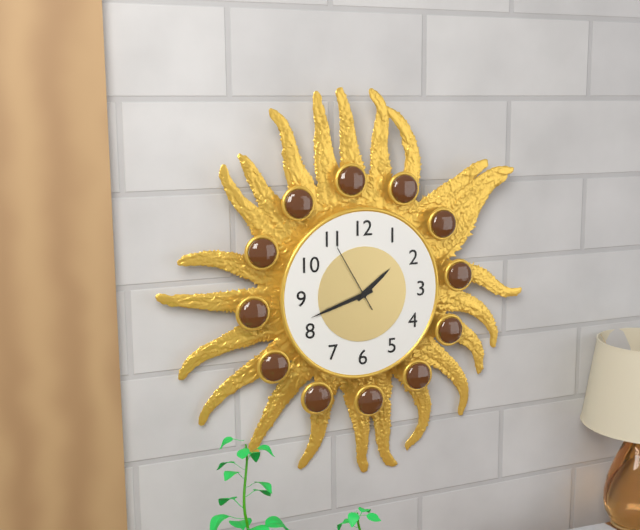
1.42.55
